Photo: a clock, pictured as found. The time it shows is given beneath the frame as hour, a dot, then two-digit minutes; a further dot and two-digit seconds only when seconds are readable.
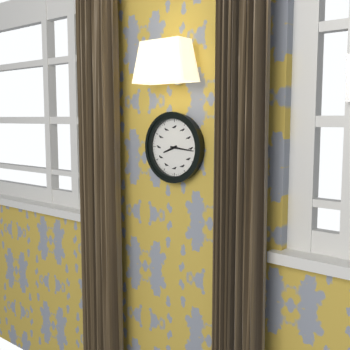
8.16
